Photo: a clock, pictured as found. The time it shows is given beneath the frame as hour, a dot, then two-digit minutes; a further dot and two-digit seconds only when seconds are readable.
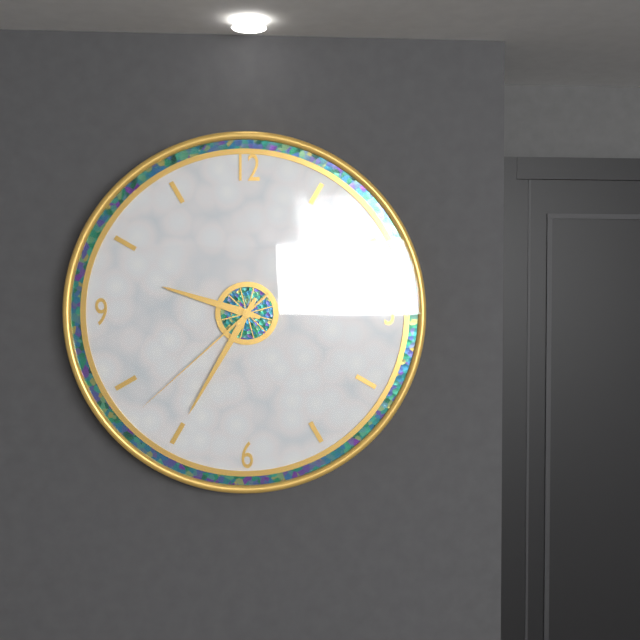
9.35.38
